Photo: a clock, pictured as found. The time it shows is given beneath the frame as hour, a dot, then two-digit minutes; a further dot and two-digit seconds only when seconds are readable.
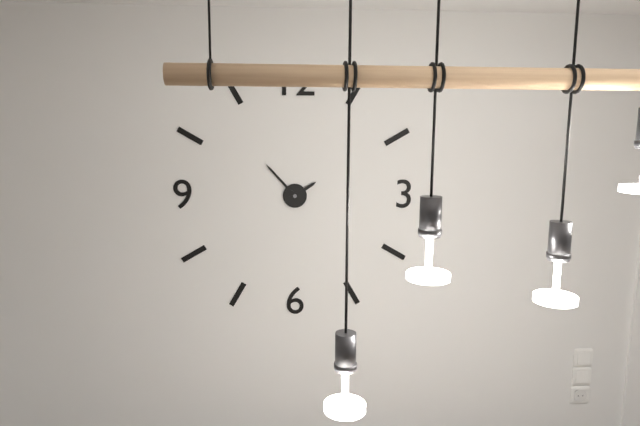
1.53
